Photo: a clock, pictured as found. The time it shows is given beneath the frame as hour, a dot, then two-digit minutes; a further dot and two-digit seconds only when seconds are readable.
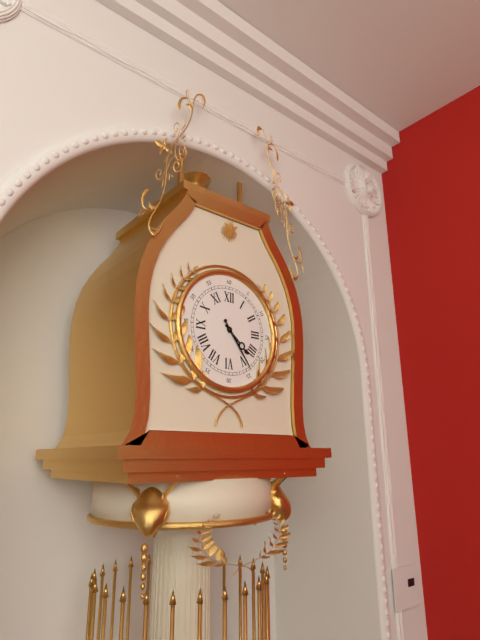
4.24
